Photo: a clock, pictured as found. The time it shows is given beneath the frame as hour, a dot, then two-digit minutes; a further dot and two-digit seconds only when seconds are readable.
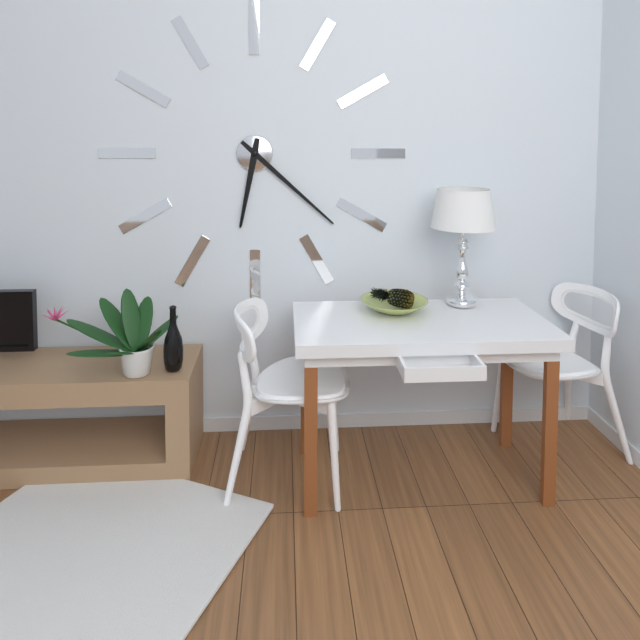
6.22
